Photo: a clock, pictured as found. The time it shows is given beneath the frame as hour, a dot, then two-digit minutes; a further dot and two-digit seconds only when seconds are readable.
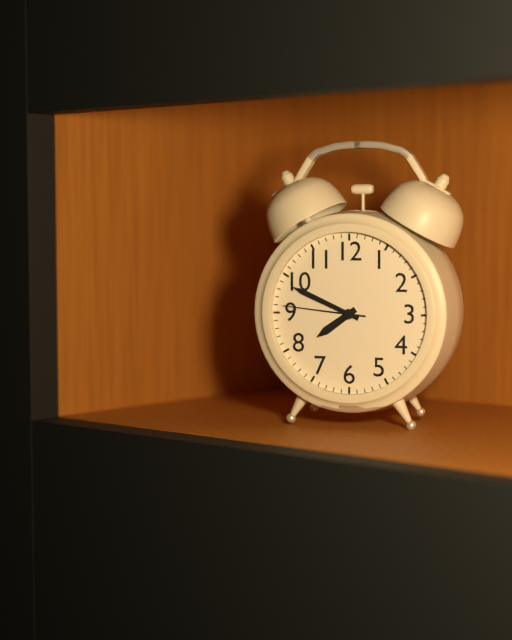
7.49.46
